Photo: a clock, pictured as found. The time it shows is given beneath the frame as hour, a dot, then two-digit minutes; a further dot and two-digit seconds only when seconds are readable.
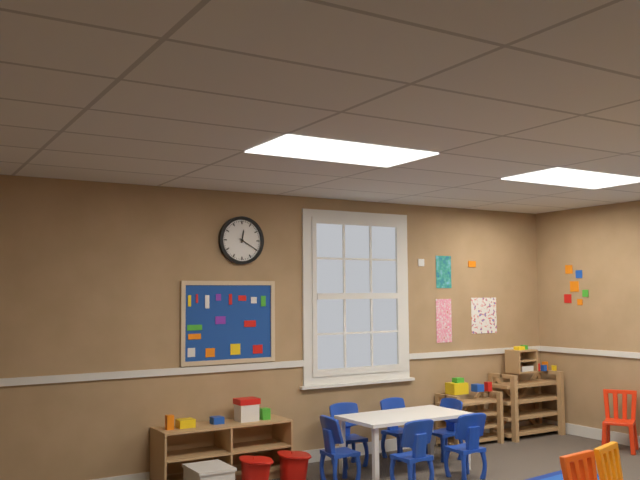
12.20
